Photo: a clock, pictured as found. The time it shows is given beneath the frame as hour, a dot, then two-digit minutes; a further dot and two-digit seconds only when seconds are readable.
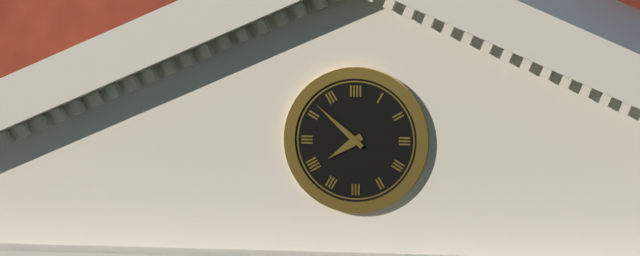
7.52
